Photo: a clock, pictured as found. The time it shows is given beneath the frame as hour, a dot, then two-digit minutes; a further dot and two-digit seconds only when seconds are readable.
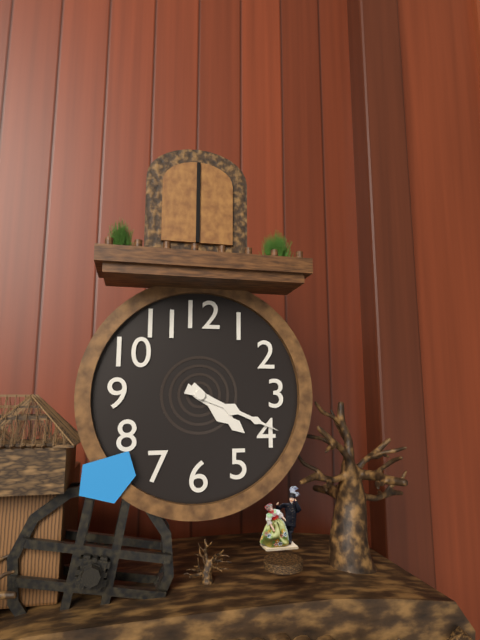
4.19
